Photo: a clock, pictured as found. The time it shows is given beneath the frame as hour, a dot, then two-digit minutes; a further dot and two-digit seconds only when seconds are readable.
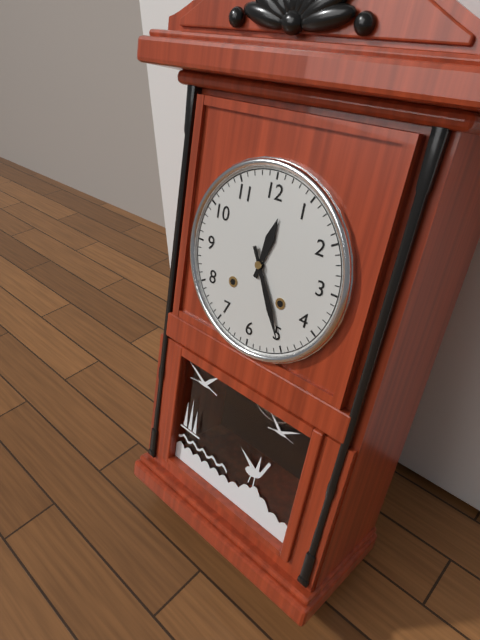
12.25
